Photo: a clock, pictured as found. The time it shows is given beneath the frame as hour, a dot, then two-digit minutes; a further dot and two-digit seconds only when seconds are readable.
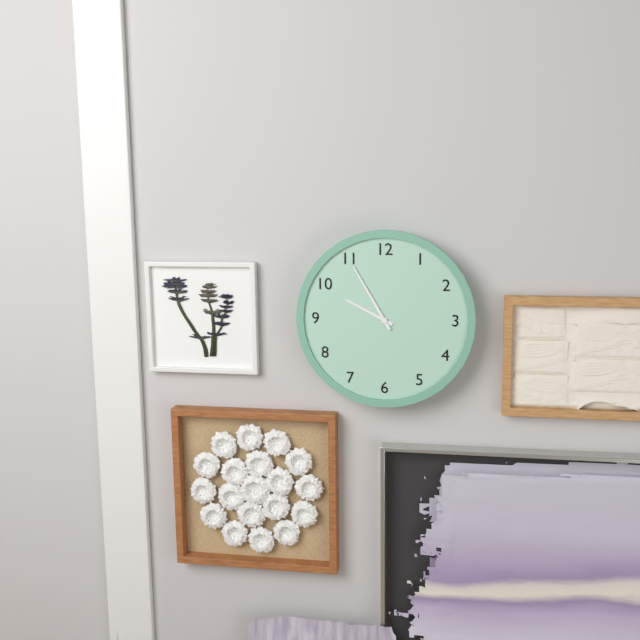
9.55
